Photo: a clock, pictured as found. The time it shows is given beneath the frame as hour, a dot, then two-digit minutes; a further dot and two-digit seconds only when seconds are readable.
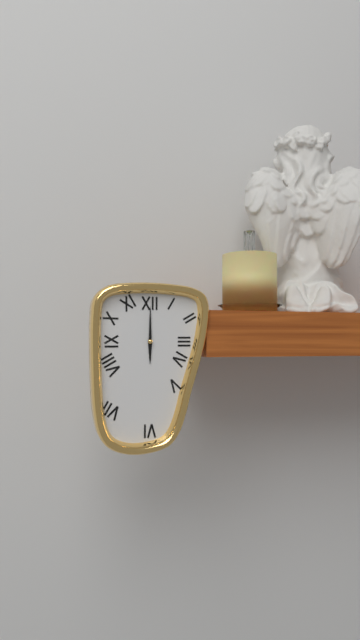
6.00
